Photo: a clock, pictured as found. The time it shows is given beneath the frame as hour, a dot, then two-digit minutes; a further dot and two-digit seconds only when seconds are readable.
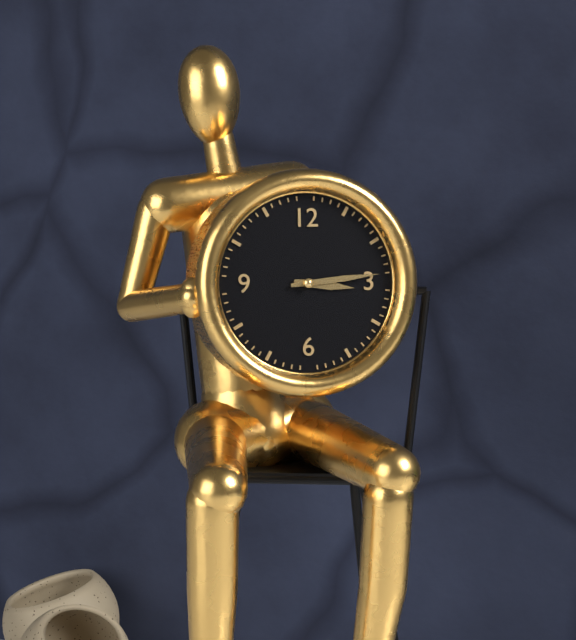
3.14
